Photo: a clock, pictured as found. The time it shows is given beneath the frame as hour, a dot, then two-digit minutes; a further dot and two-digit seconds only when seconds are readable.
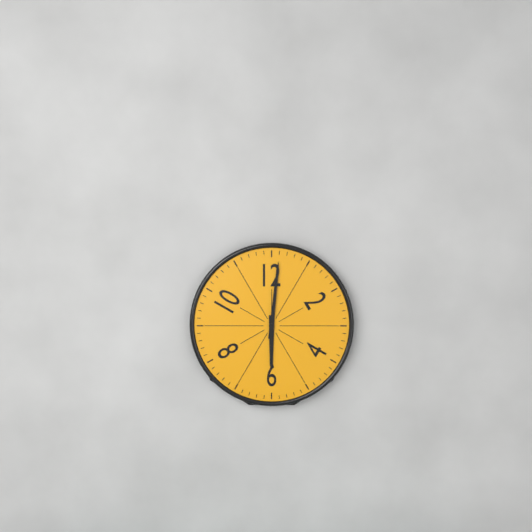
6.01
